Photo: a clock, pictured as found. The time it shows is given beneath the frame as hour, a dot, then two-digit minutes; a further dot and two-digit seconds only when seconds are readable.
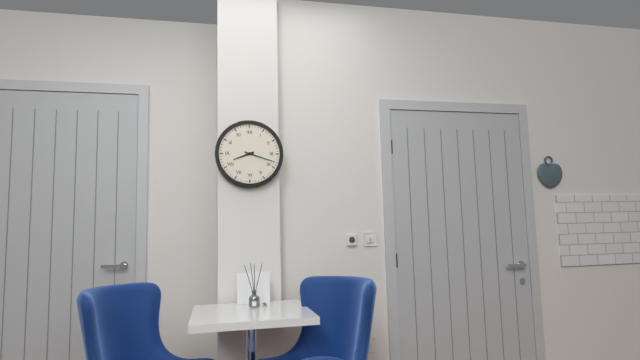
8.18
